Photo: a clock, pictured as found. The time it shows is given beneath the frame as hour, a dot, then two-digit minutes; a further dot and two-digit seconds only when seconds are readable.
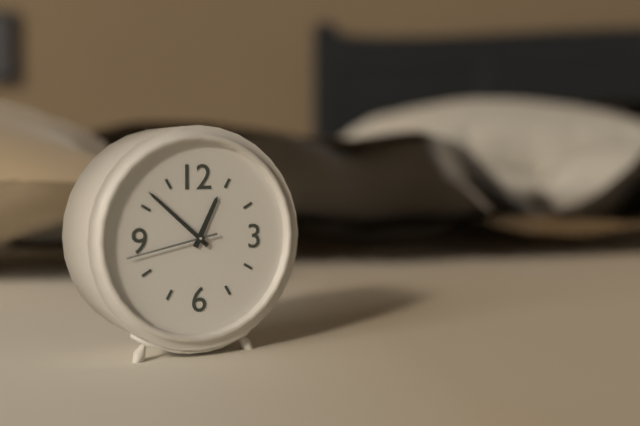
12.52.43
